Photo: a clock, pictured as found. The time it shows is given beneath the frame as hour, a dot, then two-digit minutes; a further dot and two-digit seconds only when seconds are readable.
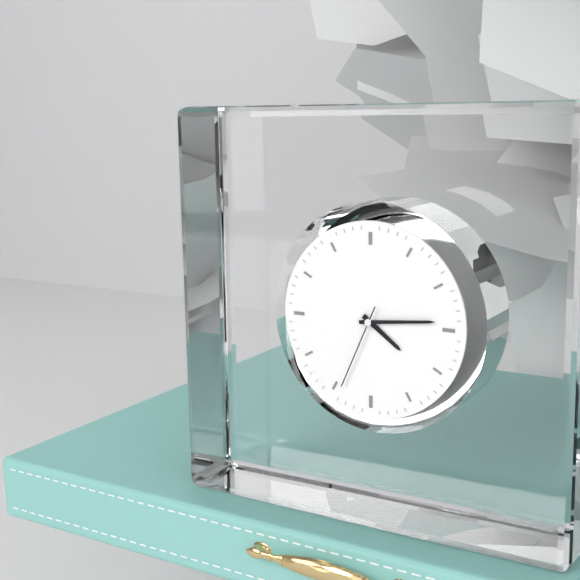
4.14.34
